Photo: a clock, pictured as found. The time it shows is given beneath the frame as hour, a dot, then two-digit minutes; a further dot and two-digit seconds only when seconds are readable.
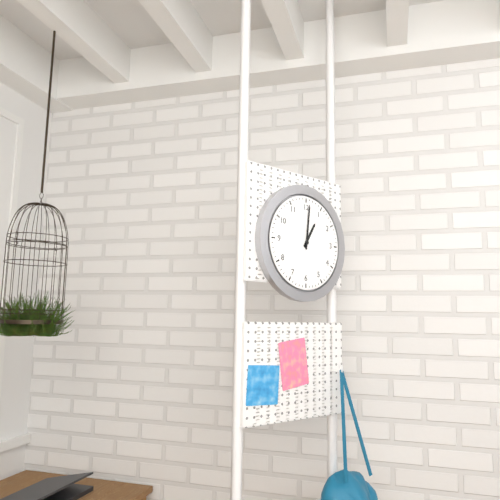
1.01
